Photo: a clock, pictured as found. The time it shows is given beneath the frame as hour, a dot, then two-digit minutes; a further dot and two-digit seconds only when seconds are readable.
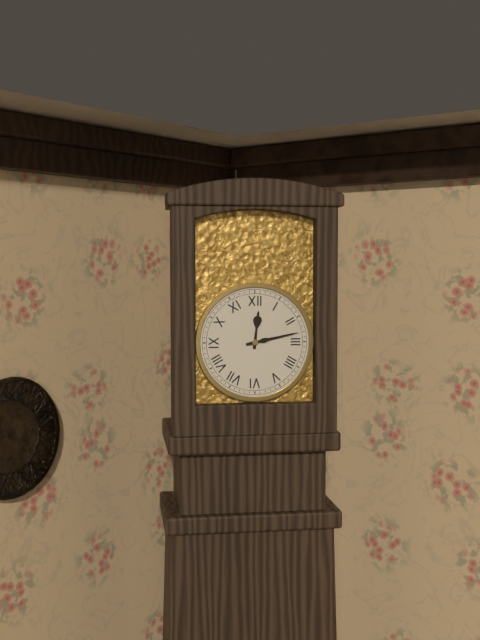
12.13
